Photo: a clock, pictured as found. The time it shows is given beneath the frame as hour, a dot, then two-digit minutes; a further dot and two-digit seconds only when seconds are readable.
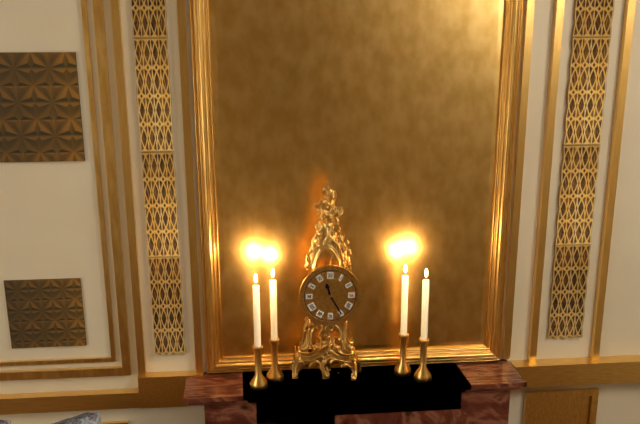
11.25
